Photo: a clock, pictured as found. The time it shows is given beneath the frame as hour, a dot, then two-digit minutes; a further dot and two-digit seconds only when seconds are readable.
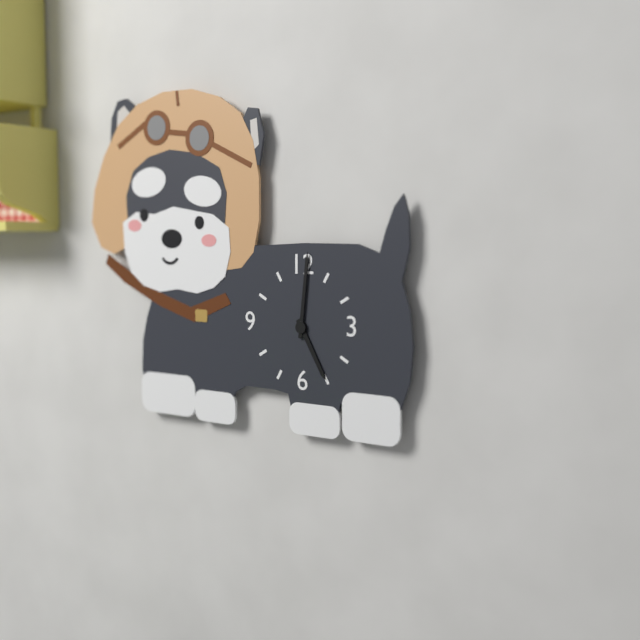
5.01
